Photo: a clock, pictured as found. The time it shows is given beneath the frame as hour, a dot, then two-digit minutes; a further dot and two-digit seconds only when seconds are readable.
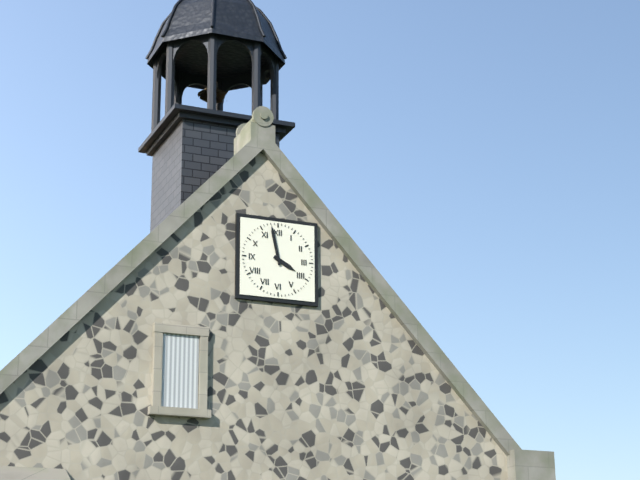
3.58
